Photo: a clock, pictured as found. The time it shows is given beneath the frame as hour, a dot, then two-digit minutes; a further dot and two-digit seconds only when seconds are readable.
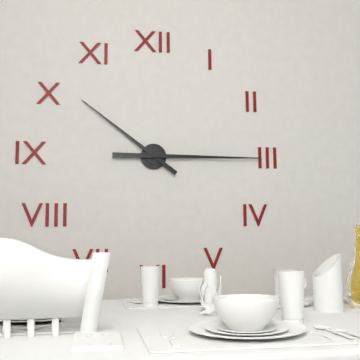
10.15
